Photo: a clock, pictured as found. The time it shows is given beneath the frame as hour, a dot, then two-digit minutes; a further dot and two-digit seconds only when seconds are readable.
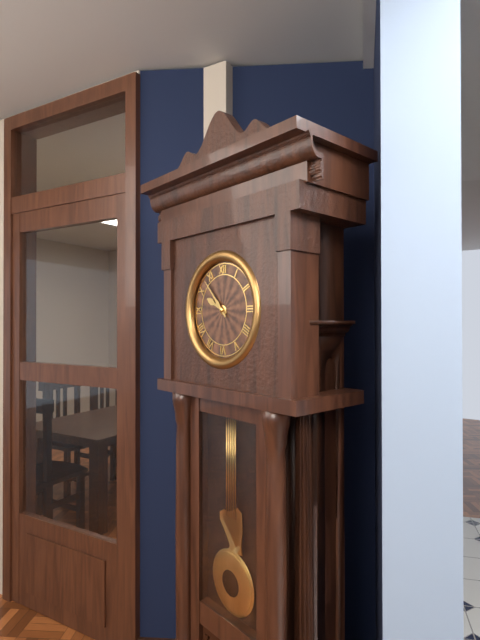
9.53
